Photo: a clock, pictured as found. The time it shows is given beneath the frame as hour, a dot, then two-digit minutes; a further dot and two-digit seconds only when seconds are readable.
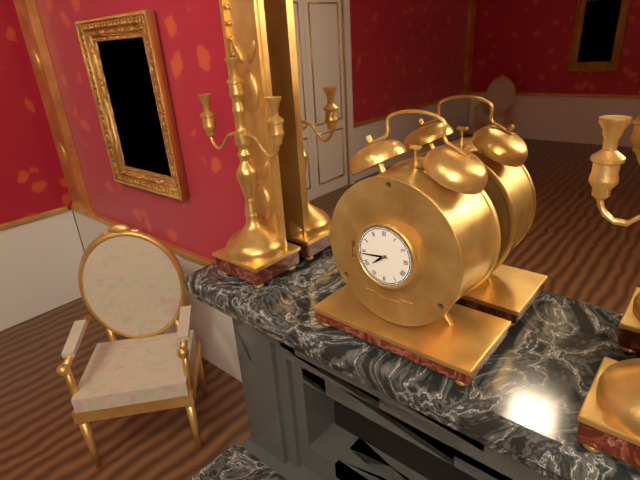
7.44
